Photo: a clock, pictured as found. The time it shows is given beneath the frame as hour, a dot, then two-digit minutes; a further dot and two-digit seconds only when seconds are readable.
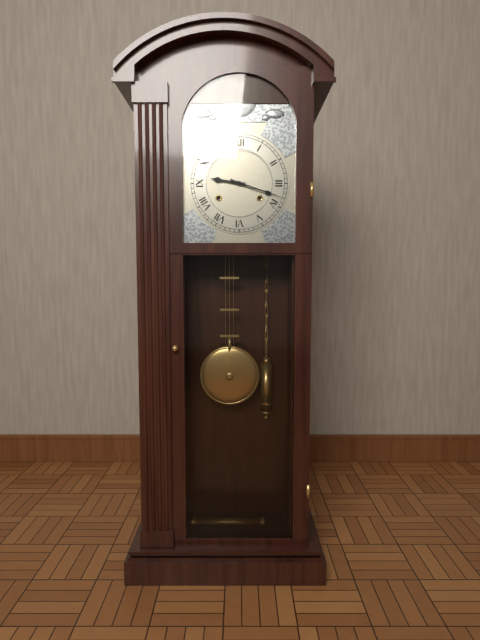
9.18
